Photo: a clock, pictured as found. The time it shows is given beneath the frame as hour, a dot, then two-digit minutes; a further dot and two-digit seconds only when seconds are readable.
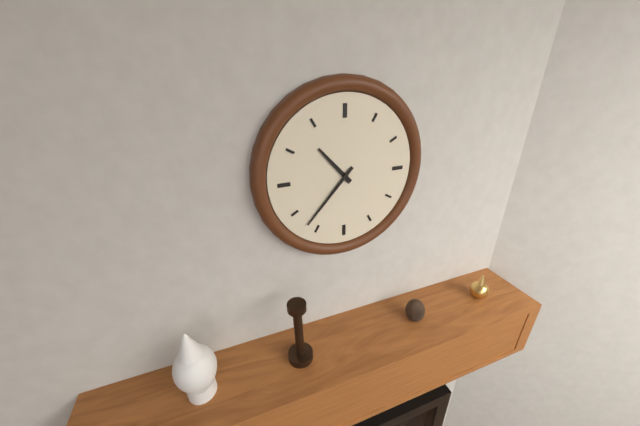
10.37
